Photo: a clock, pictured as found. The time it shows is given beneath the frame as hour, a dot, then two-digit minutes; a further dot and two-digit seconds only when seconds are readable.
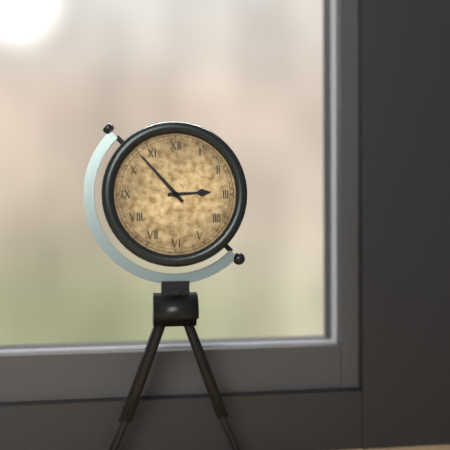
2.53
